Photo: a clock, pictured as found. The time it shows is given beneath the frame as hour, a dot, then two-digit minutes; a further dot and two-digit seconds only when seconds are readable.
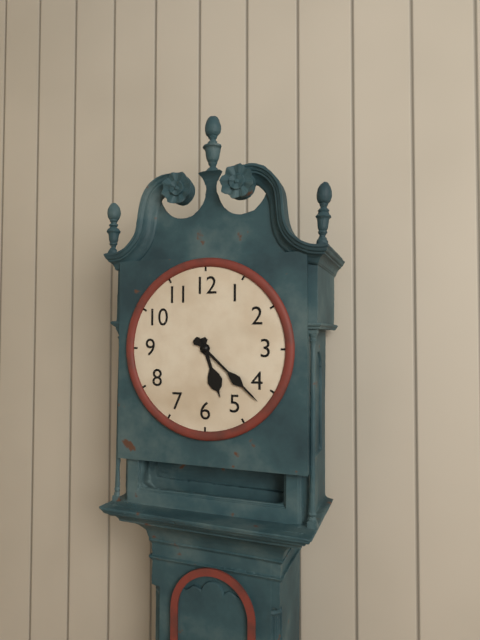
5.22
